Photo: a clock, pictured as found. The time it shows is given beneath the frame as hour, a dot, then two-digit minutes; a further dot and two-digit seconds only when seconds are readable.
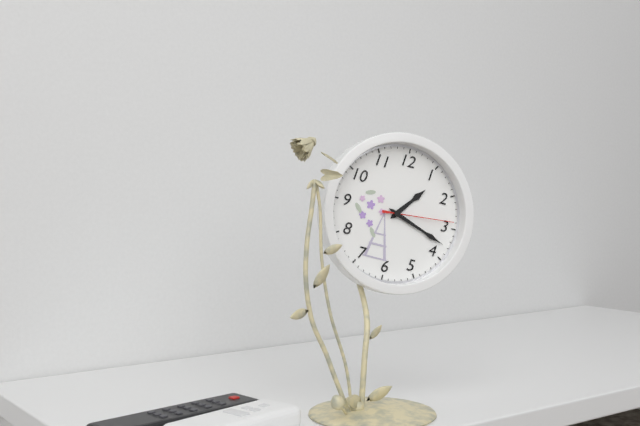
1.18.14
